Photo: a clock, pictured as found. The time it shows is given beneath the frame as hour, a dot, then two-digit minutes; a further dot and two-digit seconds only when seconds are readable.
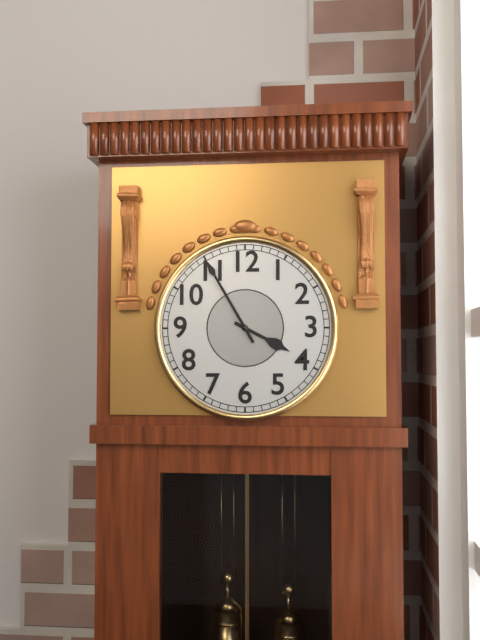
3.55
